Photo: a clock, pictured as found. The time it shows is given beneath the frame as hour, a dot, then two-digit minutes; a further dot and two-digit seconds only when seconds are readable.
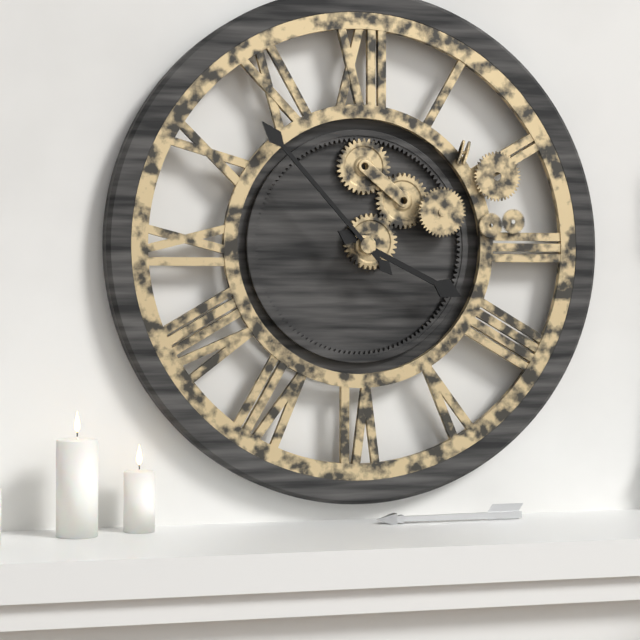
3.53
